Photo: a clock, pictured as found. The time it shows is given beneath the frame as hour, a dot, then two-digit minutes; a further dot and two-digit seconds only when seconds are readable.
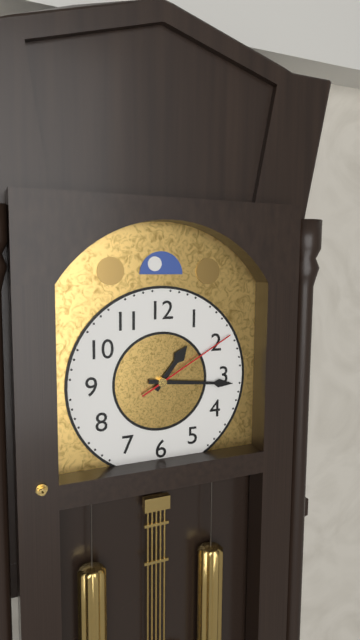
1.16.10
